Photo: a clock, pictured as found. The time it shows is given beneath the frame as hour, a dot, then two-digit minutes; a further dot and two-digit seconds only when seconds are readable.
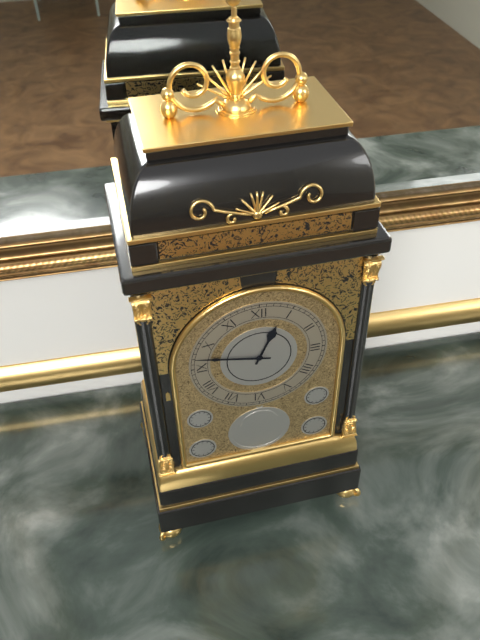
12.47
